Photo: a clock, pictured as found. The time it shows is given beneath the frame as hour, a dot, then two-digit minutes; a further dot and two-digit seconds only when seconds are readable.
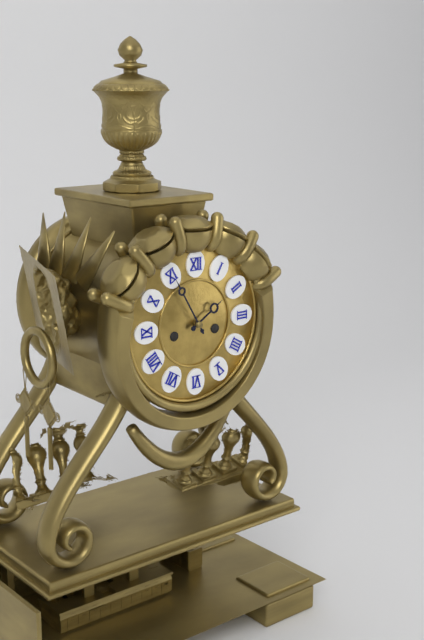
1.55
